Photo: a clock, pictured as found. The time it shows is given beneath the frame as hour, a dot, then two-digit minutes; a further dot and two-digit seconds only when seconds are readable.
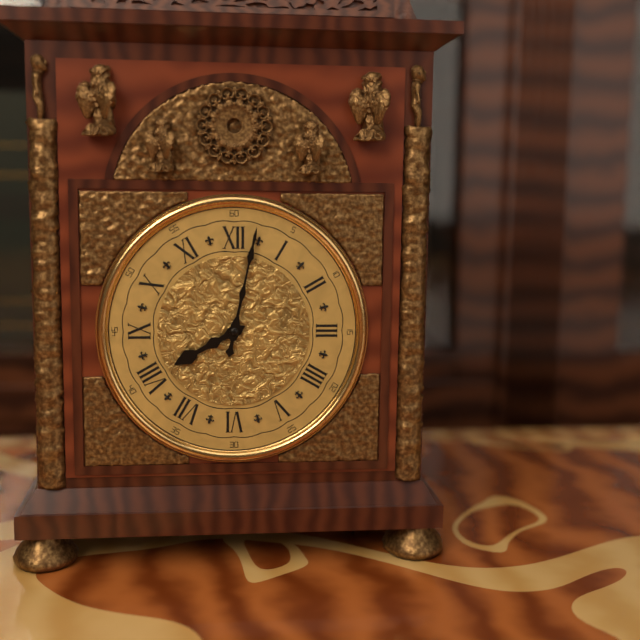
8.02
